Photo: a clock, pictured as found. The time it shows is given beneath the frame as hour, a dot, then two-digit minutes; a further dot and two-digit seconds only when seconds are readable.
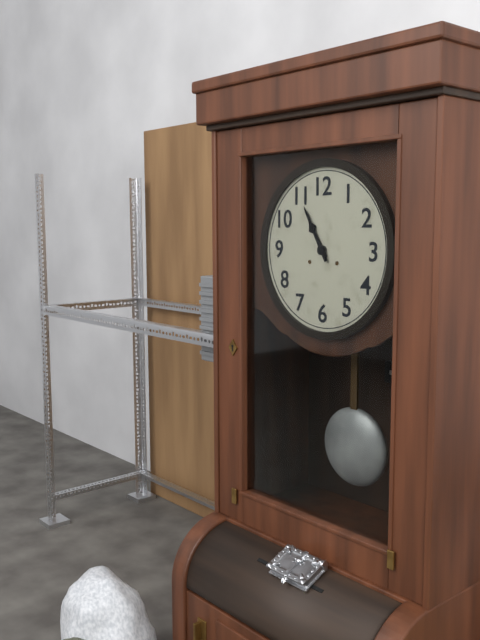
10.55
